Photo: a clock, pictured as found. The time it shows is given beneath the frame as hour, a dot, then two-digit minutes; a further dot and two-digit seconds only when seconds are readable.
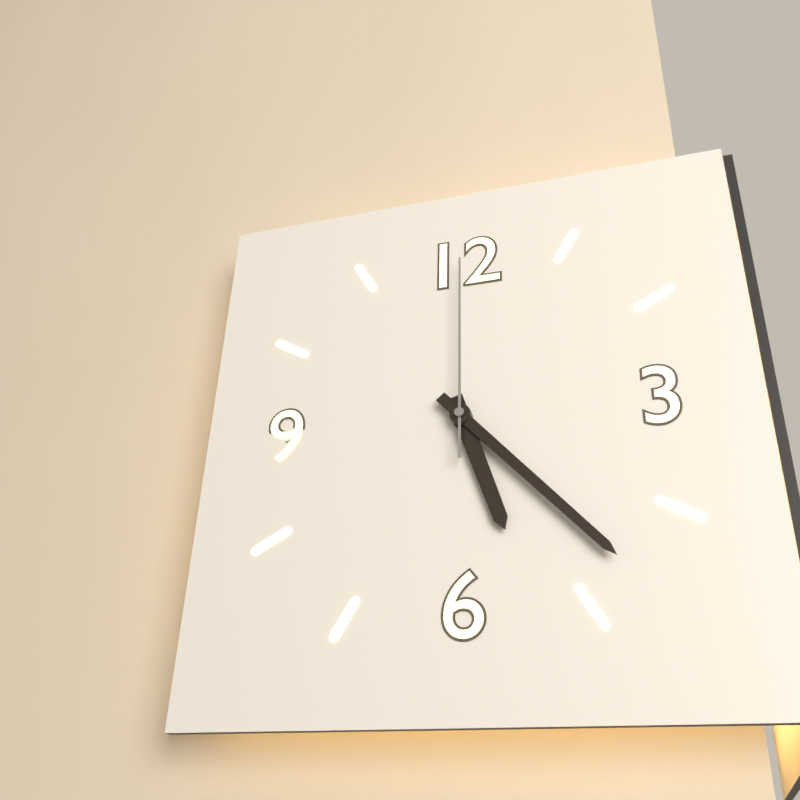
5.23.00
